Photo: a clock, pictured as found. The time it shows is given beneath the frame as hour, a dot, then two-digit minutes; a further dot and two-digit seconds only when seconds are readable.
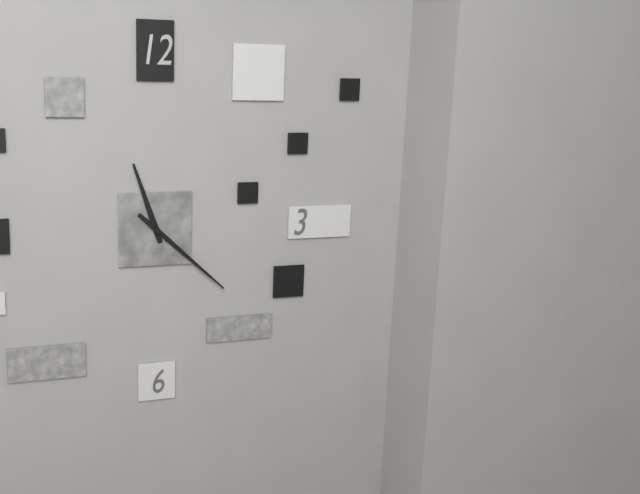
11.22
